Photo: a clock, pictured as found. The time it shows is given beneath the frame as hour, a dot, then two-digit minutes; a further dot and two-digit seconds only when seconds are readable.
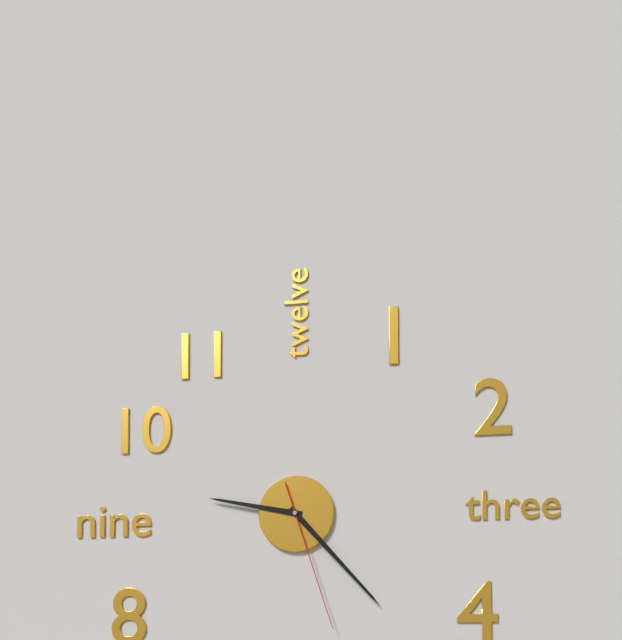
9.23.27
